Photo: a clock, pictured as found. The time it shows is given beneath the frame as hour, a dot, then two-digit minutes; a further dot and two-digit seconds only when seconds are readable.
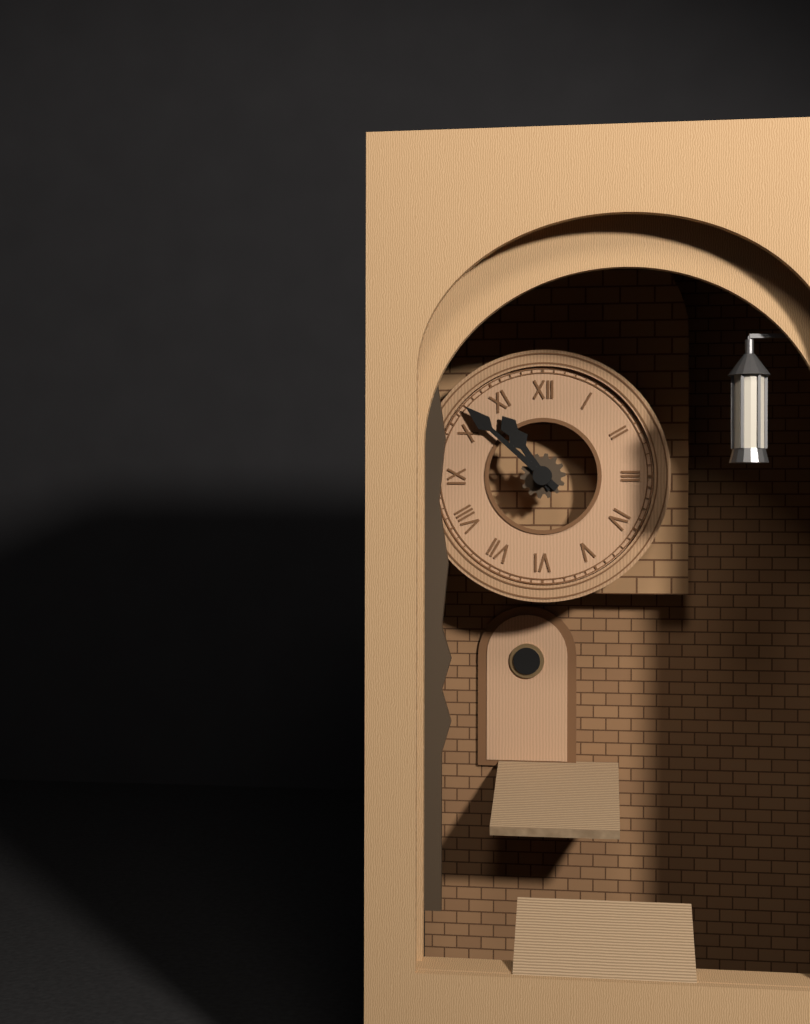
10.52
